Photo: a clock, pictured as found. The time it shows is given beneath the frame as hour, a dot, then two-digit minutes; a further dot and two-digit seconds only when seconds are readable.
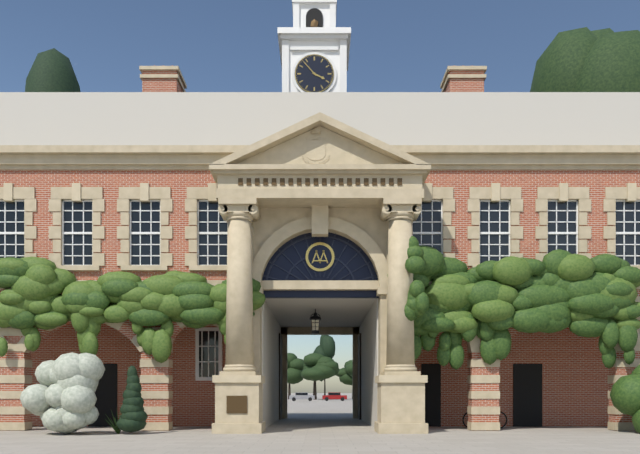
3.53
